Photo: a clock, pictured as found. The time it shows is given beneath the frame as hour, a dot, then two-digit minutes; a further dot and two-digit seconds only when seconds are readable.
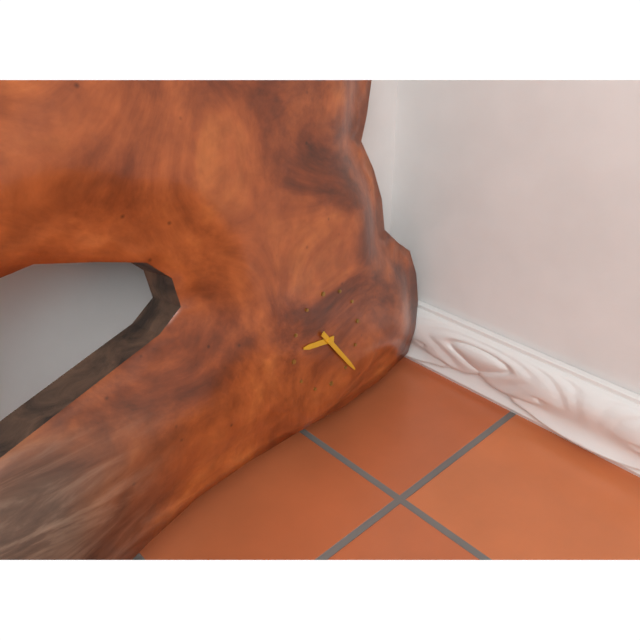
9.24
